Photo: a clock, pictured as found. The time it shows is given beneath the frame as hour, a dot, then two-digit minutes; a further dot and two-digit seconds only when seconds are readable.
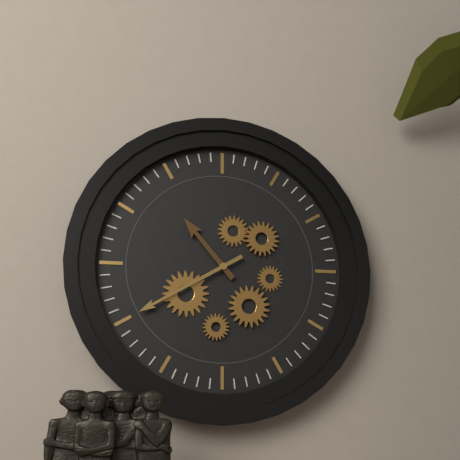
10.40
